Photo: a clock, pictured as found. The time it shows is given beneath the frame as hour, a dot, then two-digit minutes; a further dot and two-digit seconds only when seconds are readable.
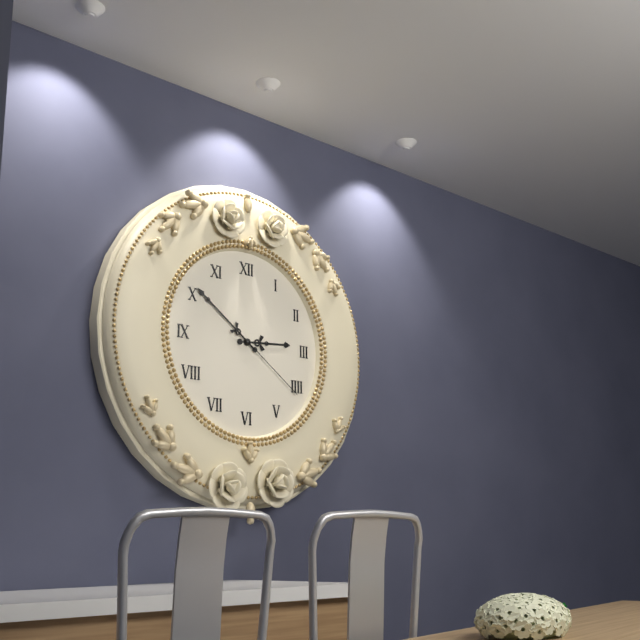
2.51.21
